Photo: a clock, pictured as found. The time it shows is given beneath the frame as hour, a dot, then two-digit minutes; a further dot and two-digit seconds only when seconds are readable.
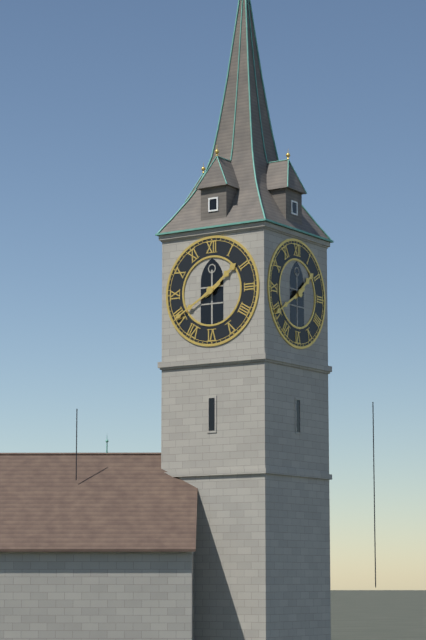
1.40
